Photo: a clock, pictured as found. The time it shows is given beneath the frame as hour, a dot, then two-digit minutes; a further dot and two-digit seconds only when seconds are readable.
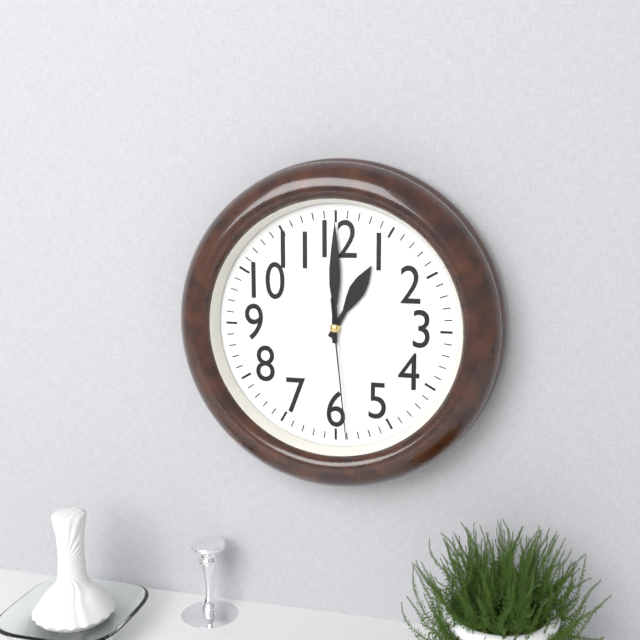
1.00.29
